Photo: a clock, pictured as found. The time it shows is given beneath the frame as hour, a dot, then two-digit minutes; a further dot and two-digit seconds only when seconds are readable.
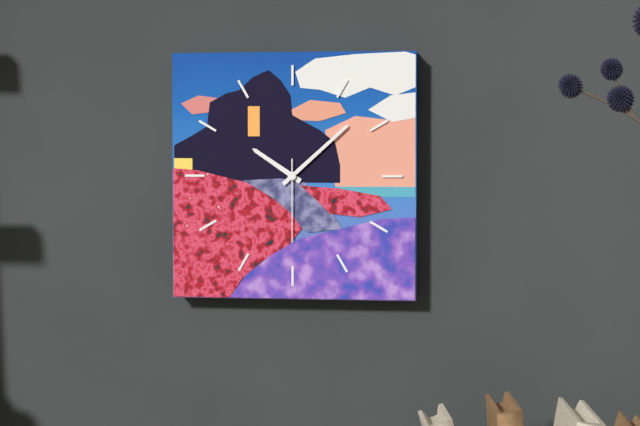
10.08.30
